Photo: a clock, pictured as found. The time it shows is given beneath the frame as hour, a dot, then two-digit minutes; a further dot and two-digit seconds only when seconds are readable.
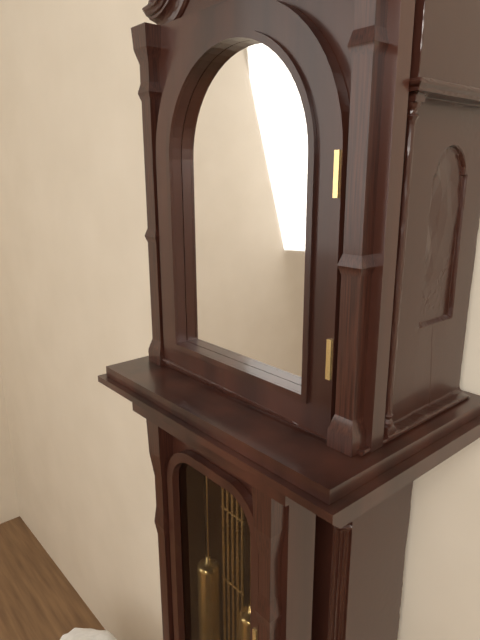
5.36
